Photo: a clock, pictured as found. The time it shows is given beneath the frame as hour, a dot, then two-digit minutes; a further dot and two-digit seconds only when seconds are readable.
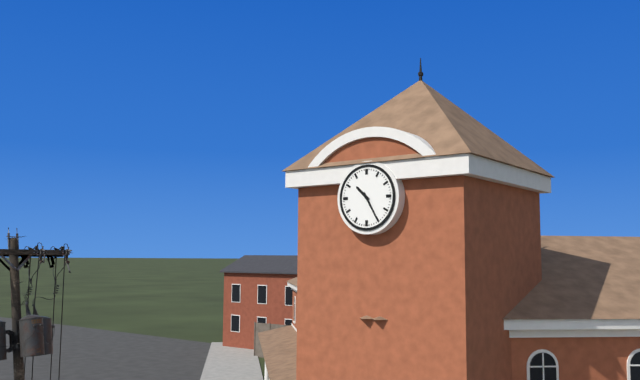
10.25
